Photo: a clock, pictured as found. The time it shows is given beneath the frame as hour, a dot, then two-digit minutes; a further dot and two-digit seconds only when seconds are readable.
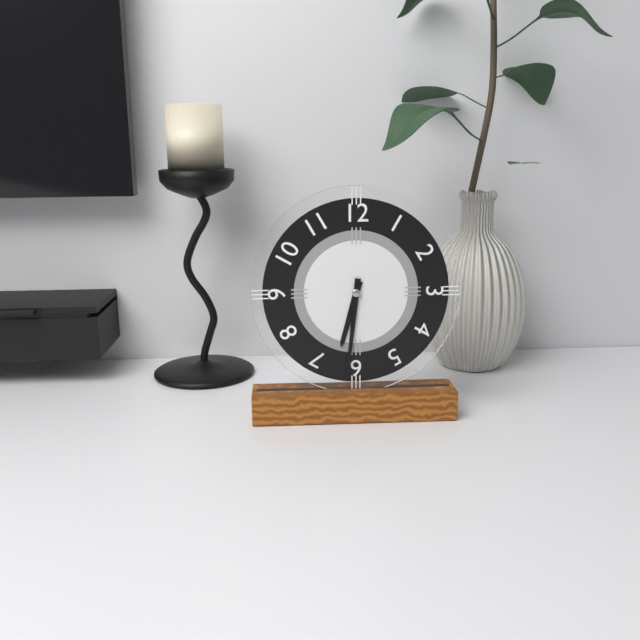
6.31
